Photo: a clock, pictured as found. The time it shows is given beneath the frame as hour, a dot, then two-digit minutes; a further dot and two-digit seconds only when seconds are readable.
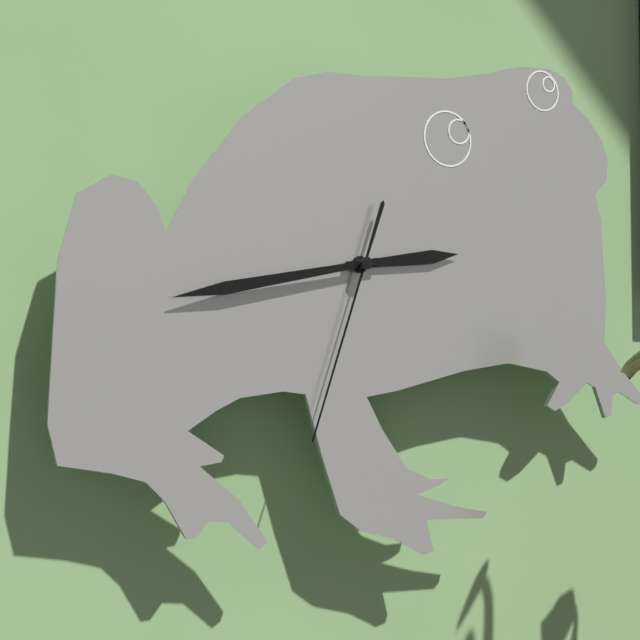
2.43.33
